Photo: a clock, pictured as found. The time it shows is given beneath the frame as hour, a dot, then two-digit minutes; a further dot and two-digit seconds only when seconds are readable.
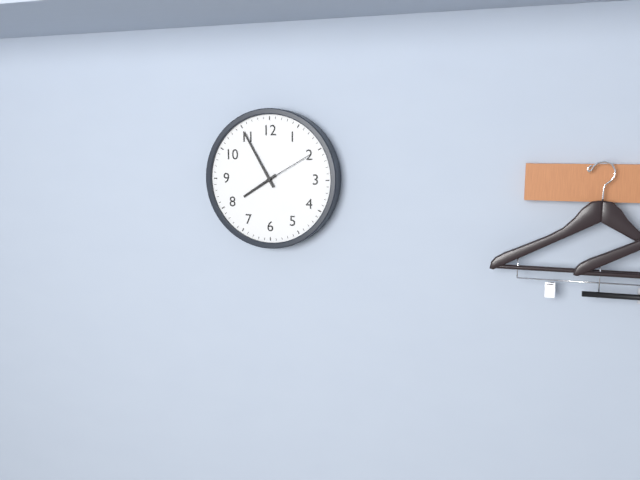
7.55.10
